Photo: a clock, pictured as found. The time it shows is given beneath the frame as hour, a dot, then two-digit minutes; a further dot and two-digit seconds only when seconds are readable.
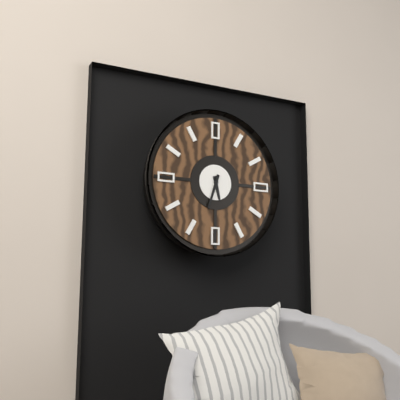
5.33
